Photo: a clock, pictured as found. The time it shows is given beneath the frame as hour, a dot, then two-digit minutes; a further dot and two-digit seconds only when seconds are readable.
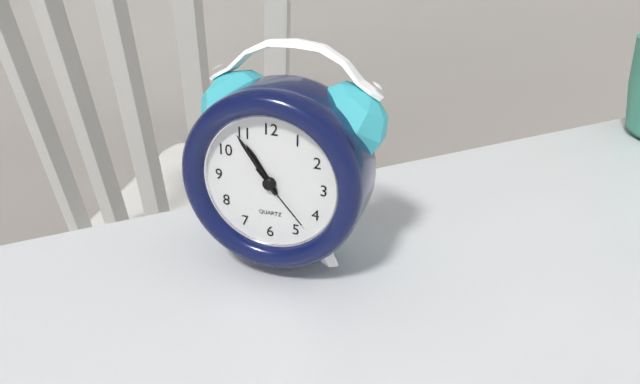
10.54.23
